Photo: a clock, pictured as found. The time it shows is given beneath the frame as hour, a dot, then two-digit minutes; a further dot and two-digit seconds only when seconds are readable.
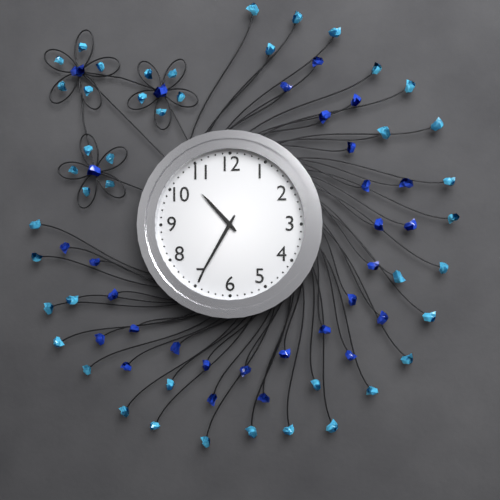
10.35
